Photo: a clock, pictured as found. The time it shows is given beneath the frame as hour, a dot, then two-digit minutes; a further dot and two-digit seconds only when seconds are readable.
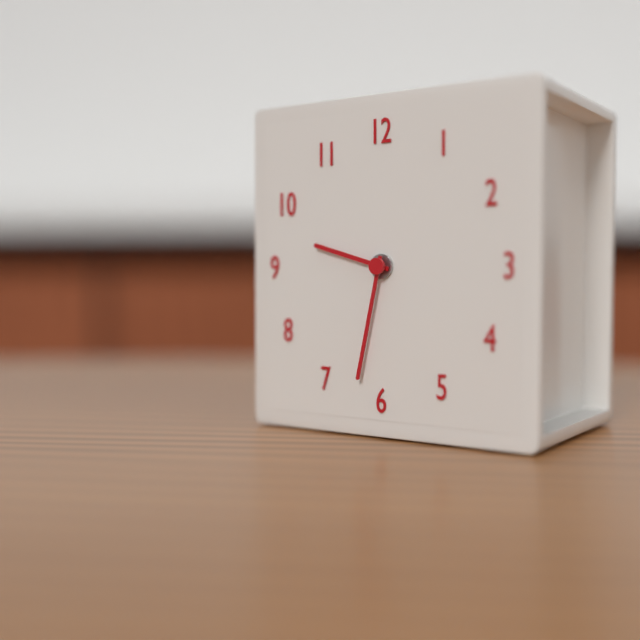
9.32
